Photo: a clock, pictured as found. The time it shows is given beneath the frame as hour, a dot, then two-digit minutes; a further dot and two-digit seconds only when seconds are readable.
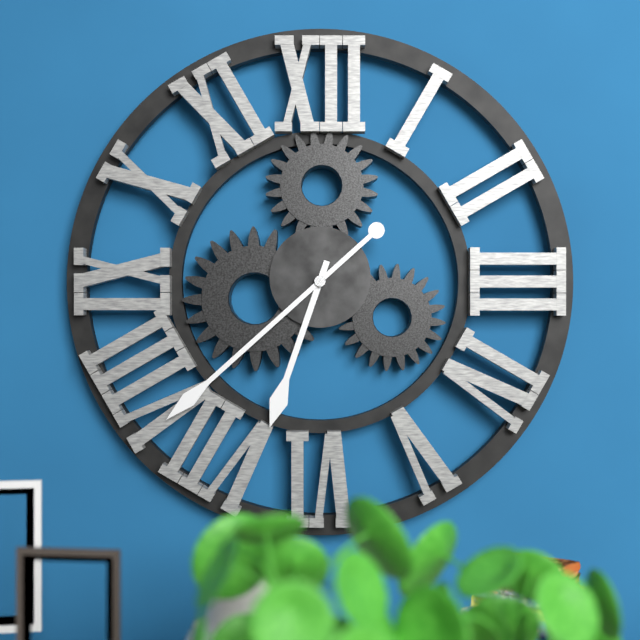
6.38
